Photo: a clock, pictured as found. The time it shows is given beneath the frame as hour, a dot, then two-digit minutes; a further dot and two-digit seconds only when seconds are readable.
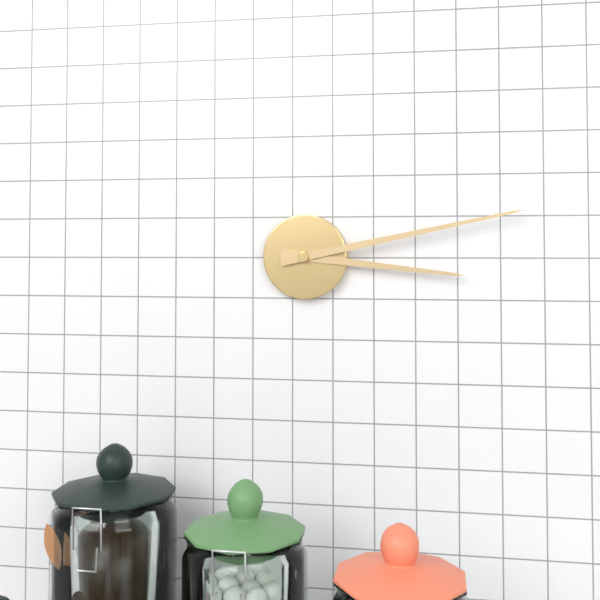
3.13
